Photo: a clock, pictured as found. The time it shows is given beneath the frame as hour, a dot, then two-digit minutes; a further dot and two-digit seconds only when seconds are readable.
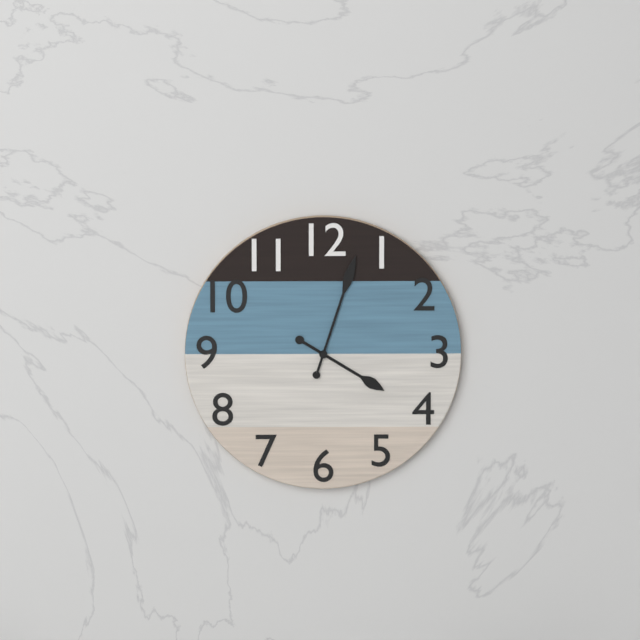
4.03
